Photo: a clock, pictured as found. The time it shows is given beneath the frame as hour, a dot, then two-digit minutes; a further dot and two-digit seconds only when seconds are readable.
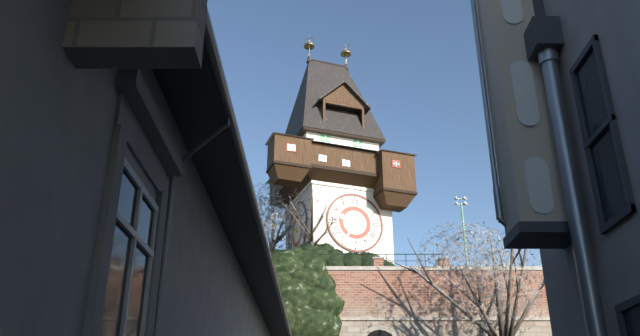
9.35
